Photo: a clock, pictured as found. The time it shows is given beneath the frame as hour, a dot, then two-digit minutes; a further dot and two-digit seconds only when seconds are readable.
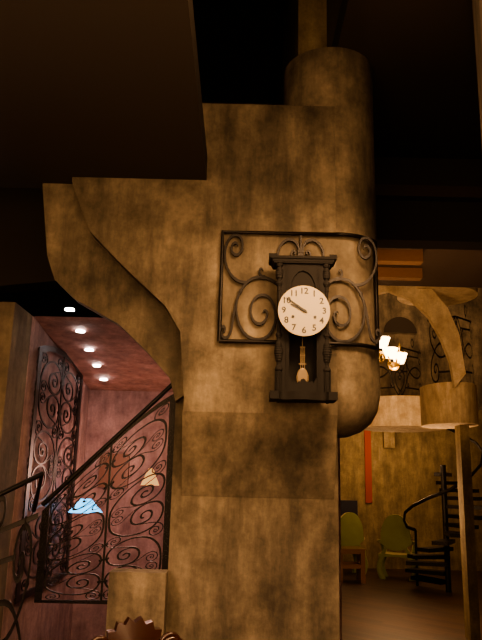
9.51
